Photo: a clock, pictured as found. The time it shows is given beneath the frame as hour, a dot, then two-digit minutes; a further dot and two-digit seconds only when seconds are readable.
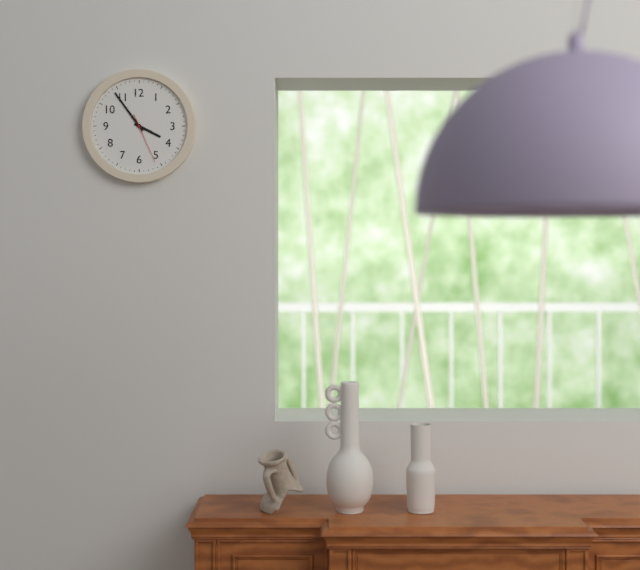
3.54
